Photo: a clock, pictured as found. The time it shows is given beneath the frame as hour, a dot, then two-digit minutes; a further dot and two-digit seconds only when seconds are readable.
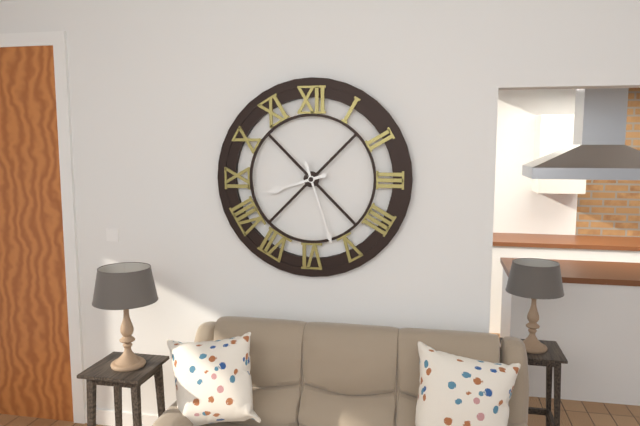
8.27
